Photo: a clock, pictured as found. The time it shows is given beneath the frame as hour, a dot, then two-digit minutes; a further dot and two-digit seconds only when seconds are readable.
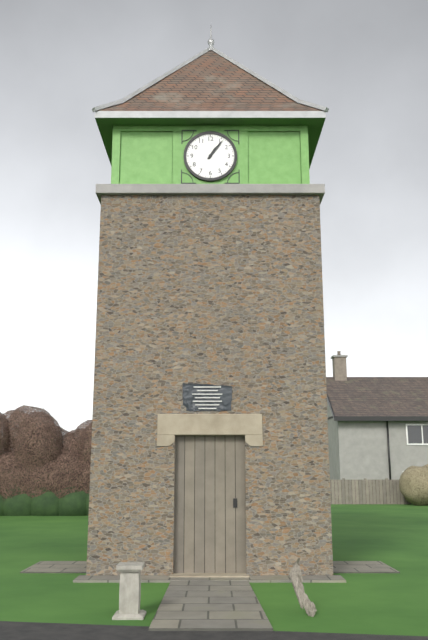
1.06
